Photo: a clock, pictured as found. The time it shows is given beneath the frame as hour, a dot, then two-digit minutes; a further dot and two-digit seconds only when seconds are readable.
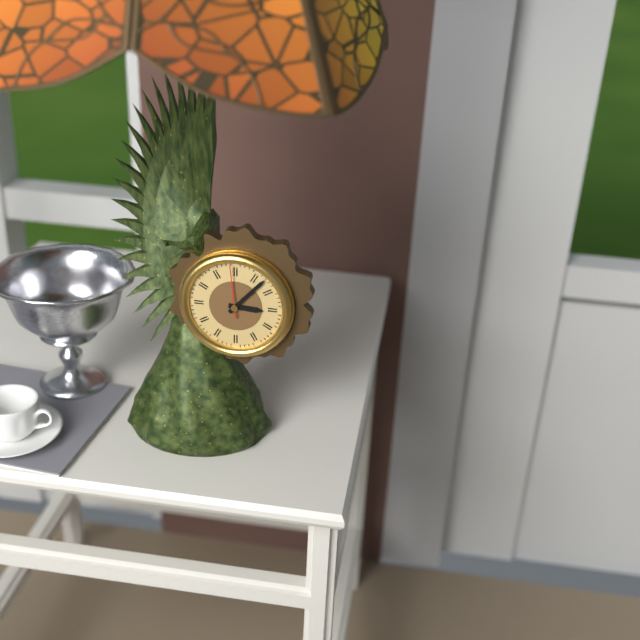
3.07.59
